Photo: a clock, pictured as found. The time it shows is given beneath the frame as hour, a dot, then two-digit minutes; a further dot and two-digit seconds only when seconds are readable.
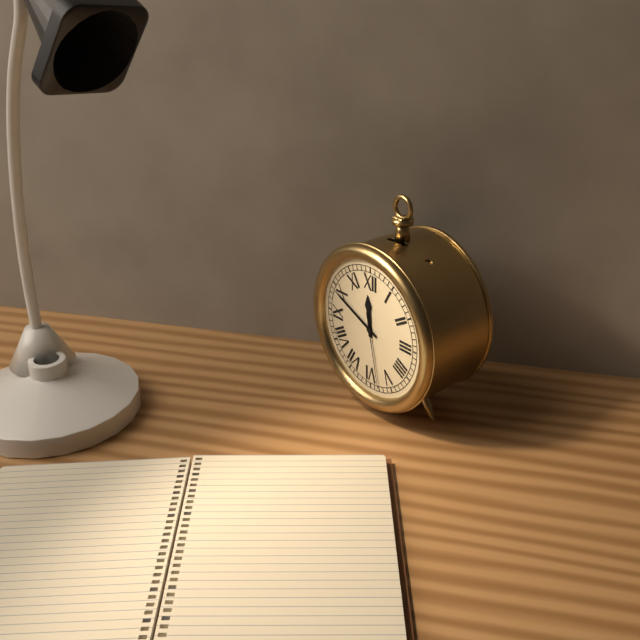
11.49.28
